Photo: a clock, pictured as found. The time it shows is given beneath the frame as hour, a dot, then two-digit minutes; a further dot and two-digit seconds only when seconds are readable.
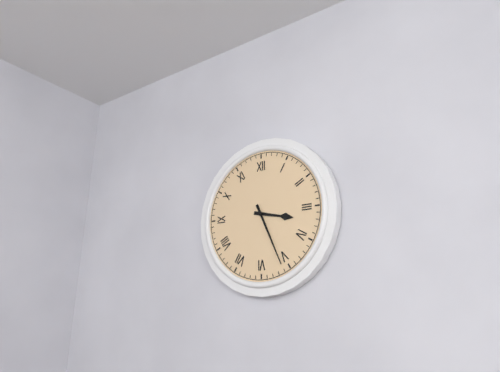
3.26
